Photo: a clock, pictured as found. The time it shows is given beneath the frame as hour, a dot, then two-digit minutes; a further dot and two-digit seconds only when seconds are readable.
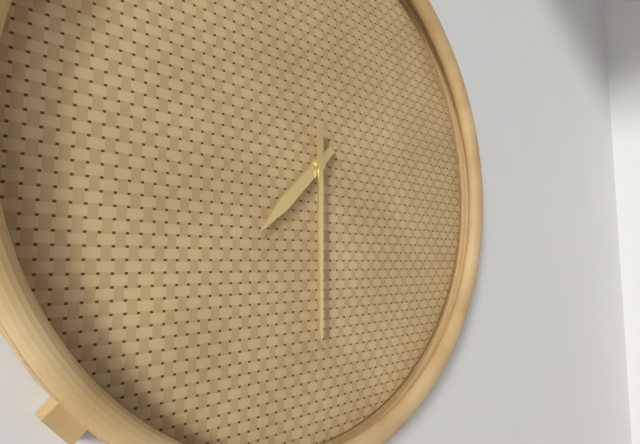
7.30
